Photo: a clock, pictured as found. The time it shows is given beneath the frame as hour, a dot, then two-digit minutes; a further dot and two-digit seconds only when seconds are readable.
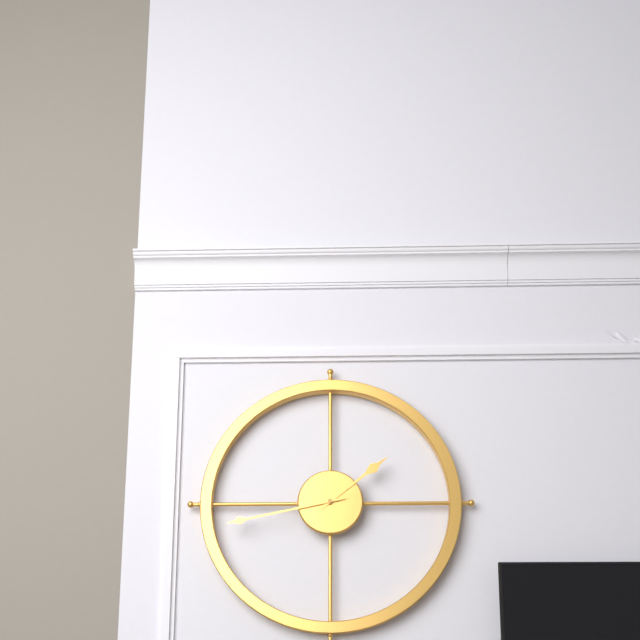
1.43
